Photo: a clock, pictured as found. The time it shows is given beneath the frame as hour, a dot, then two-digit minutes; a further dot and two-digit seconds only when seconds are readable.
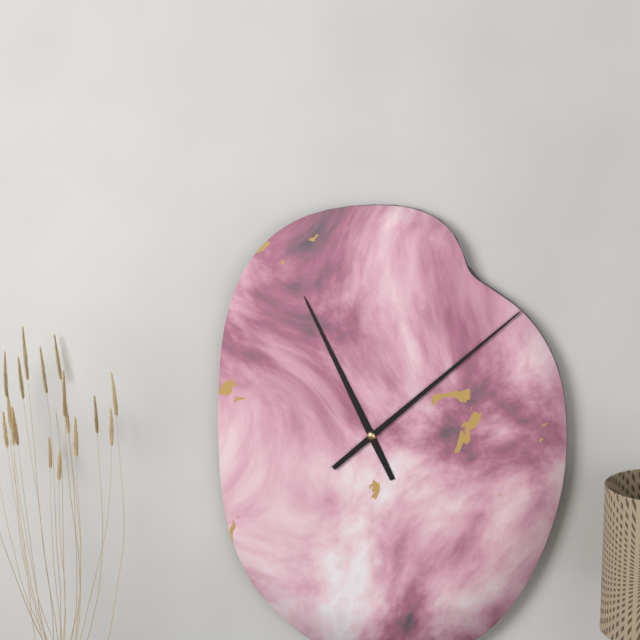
11.08
